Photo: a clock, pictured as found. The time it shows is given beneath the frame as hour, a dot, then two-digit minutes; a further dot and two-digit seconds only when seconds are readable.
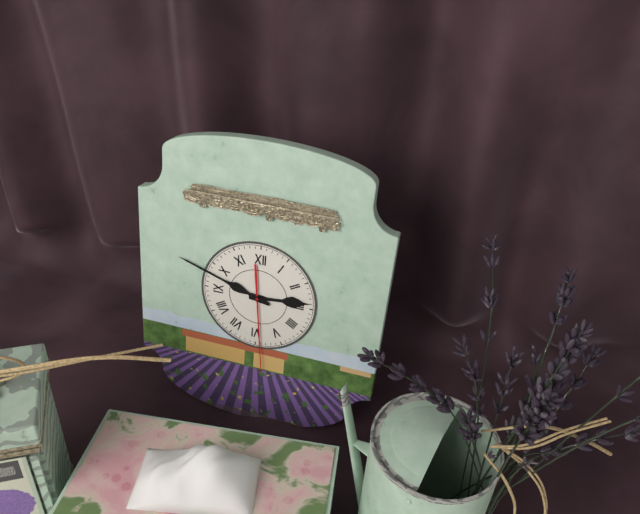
2.48.29
